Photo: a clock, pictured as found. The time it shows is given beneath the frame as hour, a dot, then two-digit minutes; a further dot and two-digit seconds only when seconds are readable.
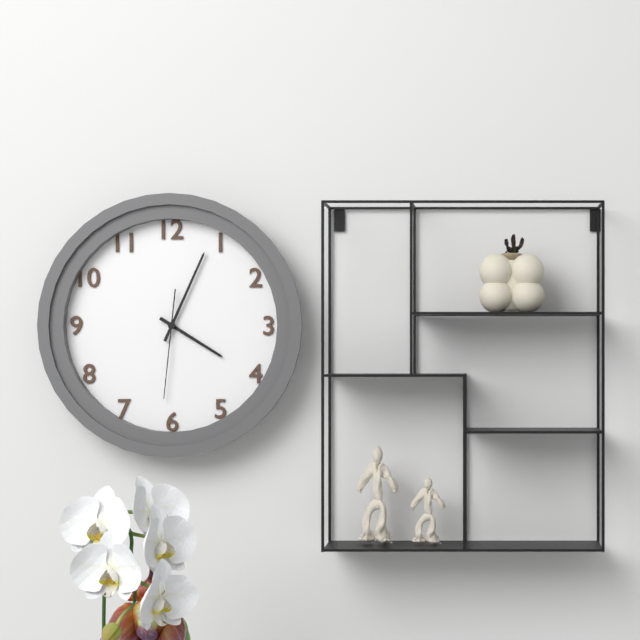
4.04.31
